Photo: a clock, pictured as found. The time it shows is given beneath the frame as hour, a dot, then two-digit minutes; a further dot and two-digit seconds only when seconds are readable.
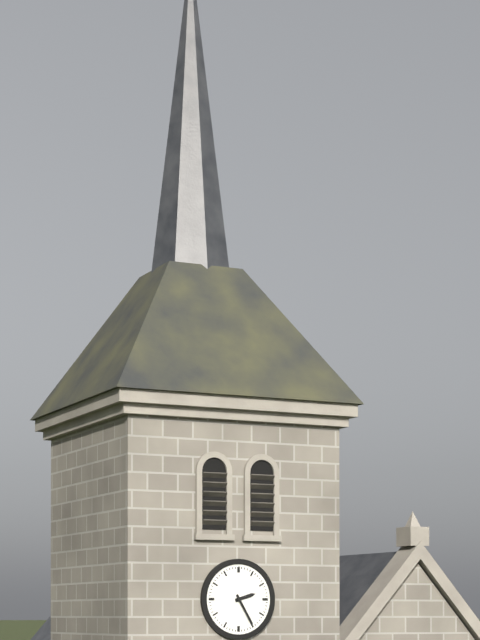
2.25
